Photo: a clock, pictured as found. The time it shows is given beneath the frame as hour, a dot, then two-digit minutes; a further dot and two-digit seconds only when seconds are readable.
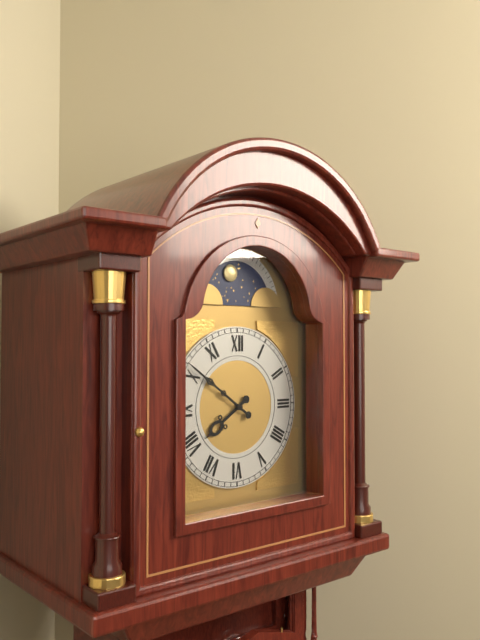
7.51
